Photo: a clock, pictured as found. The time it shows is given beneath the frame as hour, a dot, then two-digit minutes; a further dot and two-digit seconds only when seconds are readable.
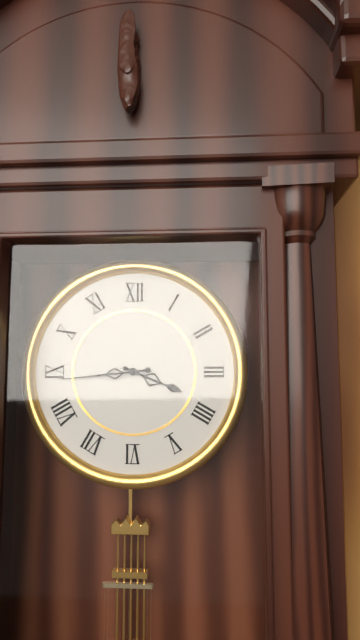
3.44
